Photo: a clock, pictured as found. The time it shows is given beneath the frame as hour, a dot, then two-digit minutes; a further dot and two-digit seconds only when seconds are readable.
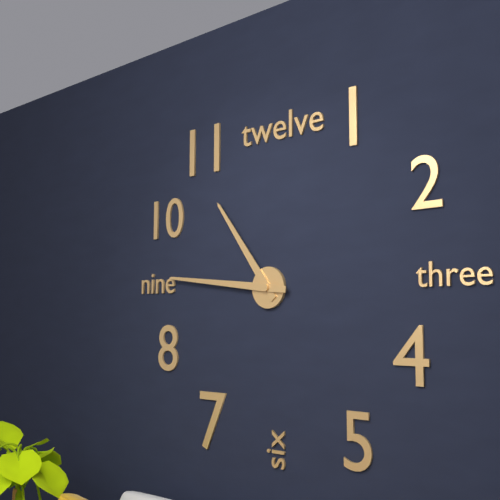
10.46
